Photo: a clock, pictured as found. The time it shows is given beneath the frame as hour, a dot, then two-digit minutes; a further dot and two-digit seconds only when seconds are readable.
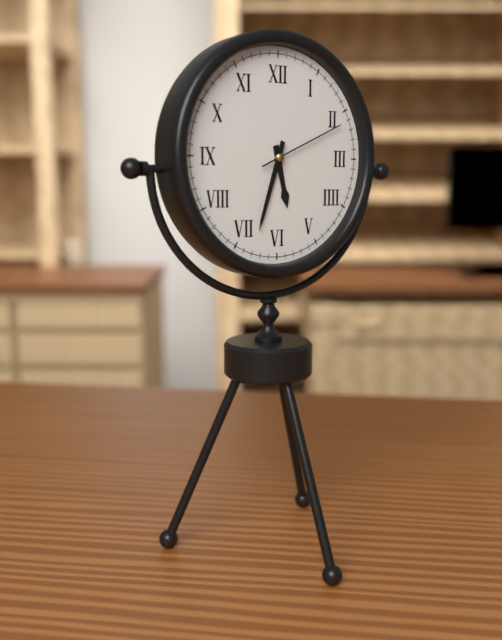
5.33.11
